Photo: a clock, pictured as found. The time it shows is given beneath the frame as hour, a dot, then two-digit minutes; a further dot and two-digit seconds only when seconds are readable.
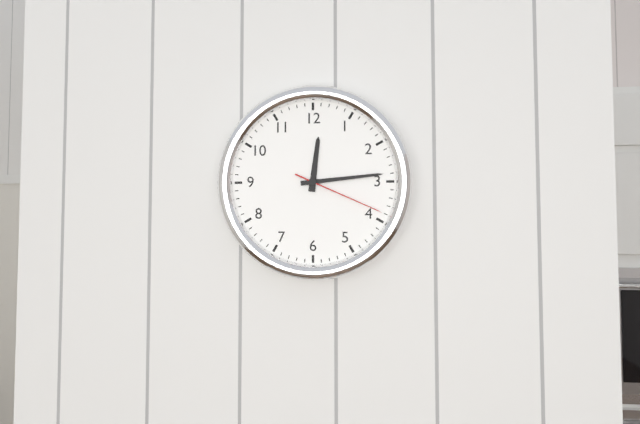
12.14.19
